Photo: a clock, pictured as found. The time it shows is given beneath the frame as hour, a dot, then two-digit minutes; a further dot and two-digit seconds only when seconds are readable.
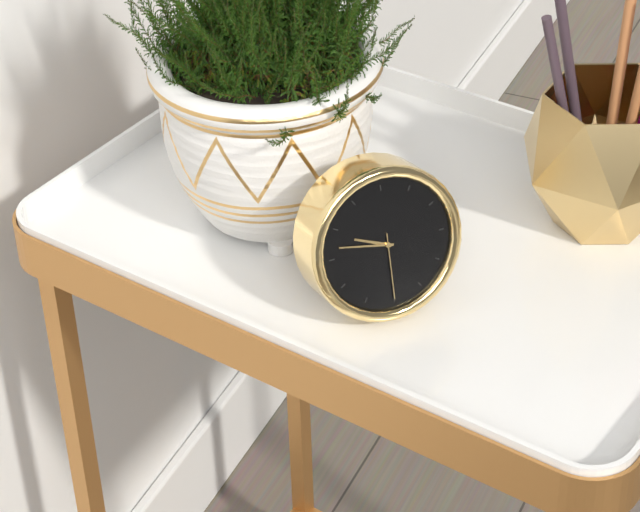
9.47.30
